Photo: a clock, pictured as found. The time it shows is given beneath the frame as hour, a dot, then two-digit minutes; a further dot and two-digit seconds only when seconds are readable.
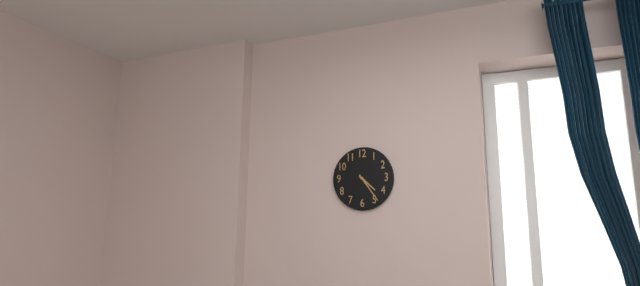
4.24
